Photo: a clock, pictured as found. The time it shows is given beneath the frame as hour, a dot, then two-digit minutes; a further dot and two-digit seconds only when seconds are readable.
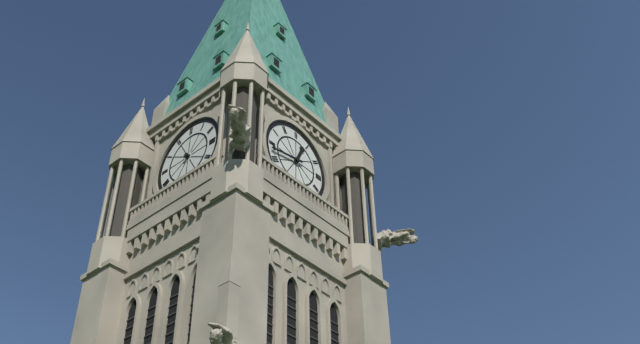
12.43
